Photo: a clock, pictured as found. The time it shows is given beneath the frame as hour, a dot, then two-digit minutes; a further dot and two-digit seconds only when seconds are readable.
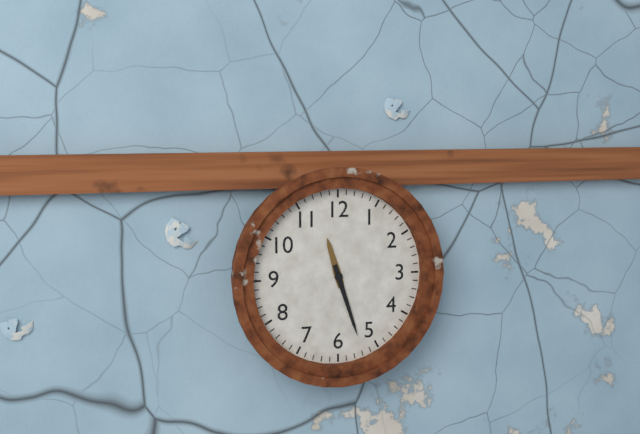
11.27
